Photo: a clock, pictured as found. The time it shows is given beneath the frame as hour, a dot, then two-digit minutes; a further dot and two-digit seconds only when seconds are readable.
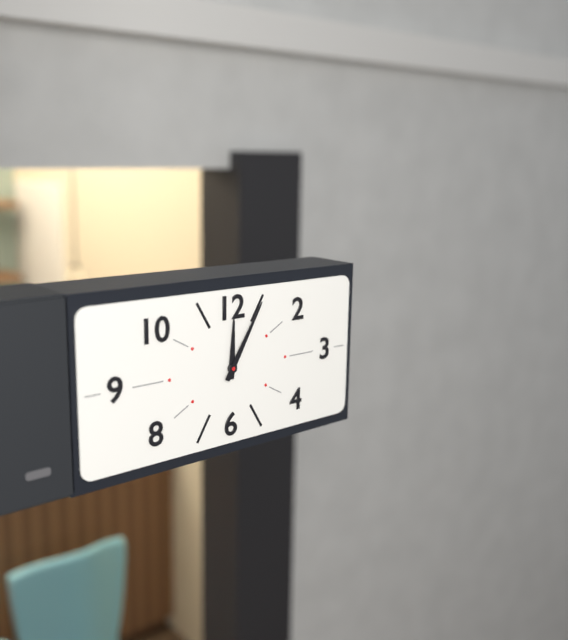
12.05
